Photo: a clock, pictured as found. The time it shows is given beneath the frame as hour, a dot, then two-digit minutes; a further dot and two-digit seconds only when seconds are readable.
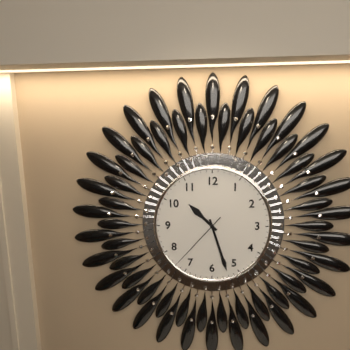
10.27.37
